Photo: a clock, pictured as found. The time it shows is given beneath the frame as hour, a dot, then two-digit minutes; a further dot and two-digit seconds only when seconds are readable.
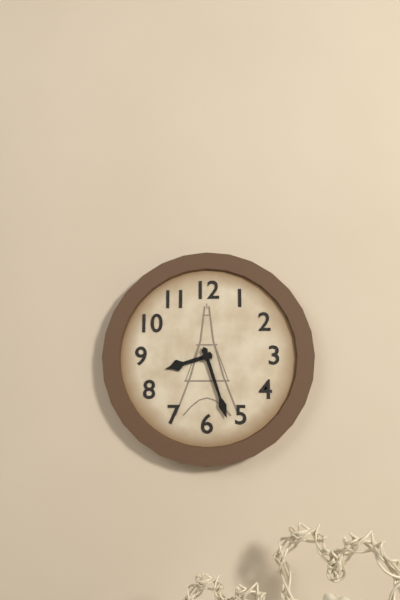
8.27
